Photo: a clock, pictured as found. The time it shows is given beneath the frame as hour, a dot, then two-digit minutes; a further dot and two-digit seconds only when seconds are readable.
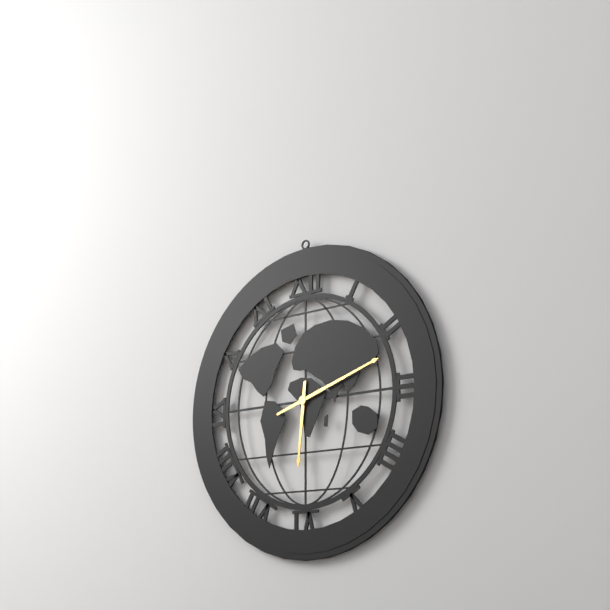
6.12
